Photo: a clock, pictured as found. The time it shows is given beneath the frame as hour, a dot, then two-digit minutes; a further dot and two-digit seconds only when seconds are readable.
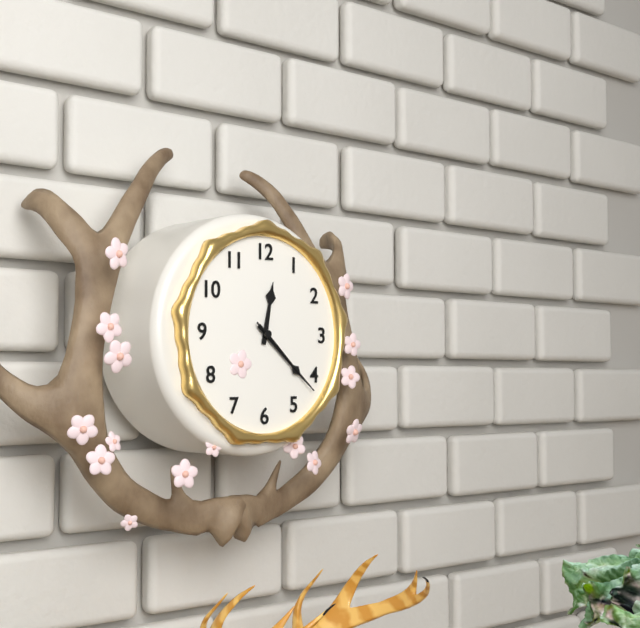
12.22.22
